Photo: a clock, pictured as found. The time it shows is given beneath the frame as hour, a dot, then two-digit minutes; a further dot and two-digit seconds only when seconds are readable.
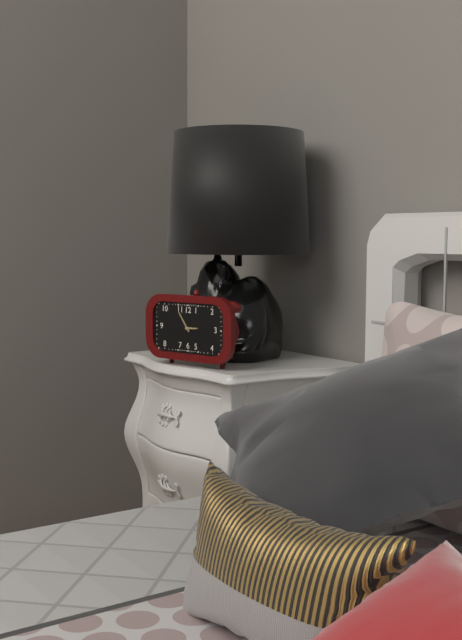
2.54
